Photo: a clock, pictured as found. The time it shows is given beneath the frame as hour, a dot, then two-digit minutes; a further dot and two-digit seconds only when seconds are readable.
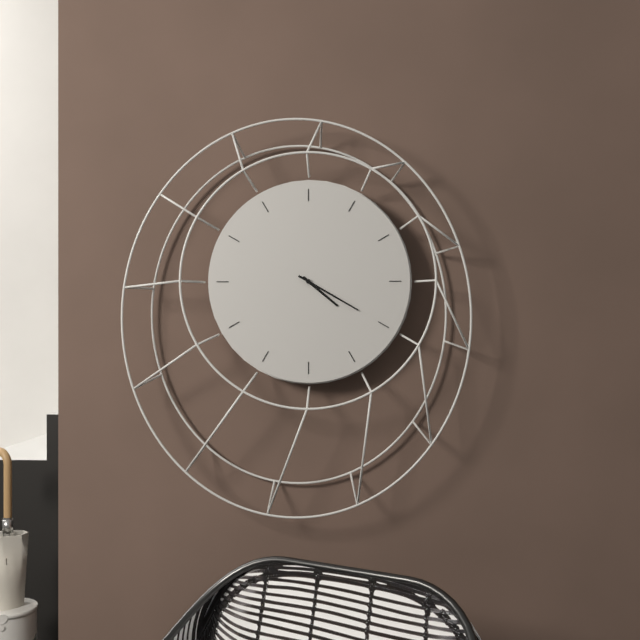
4.20
